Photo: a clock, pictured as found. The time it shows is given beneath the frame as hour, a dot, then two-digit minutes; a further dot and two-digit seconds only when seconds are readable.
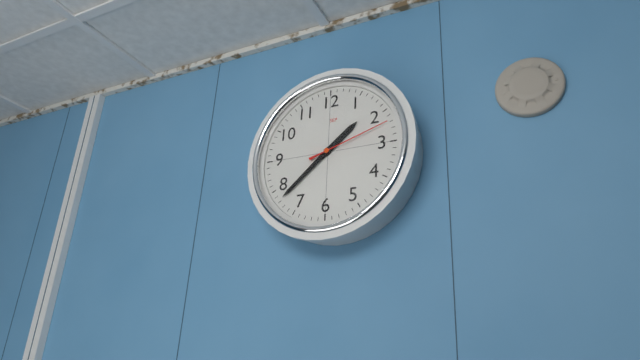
1.38.12
